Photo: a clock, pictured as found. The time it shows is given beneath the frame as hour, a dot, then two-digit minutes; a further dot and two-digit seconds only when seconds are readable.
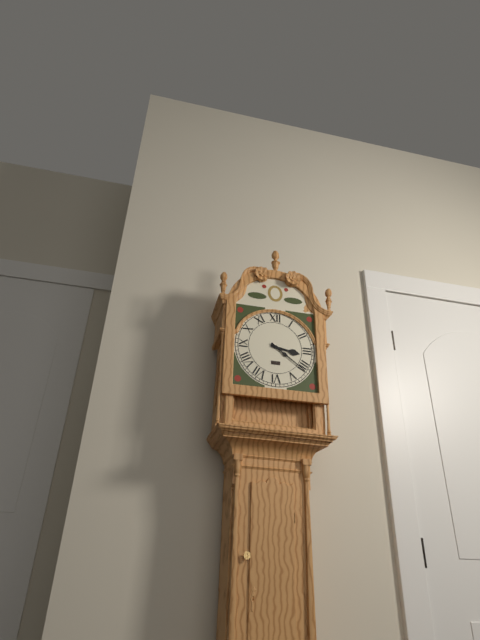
3.21
